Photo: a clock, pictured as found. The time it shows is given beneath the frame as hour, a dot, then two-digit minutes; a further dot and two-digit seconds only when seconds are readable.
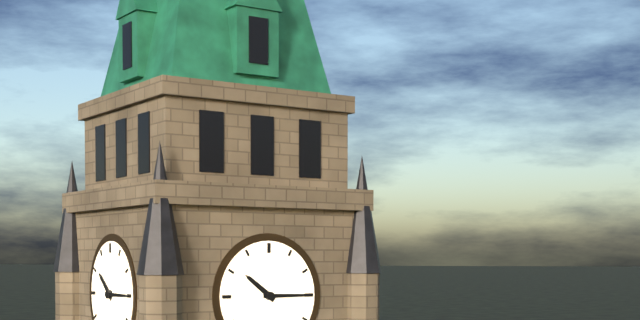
10.15
